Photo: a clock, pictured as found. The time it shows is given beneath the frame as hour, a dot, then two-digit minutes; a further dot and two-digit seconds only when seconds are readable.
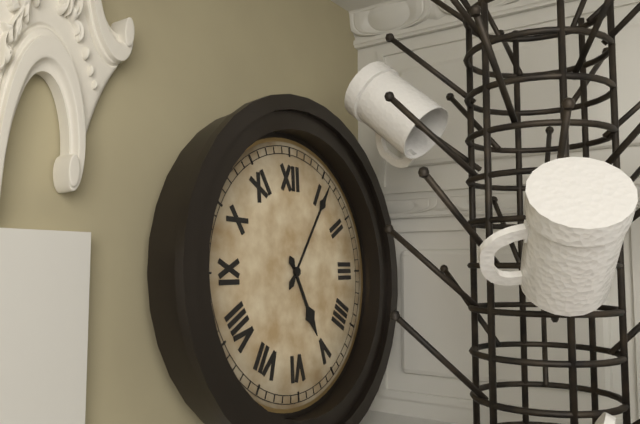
5.06
